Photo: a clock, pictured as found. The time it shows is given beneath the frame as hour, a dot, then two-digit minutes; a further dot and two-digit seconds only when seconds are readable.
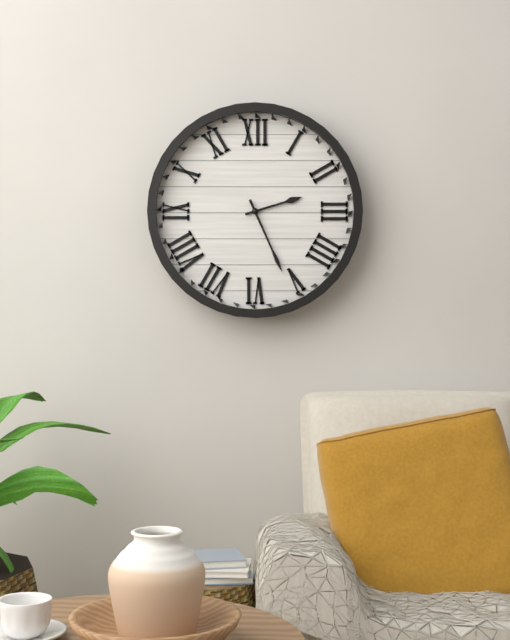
2.26
